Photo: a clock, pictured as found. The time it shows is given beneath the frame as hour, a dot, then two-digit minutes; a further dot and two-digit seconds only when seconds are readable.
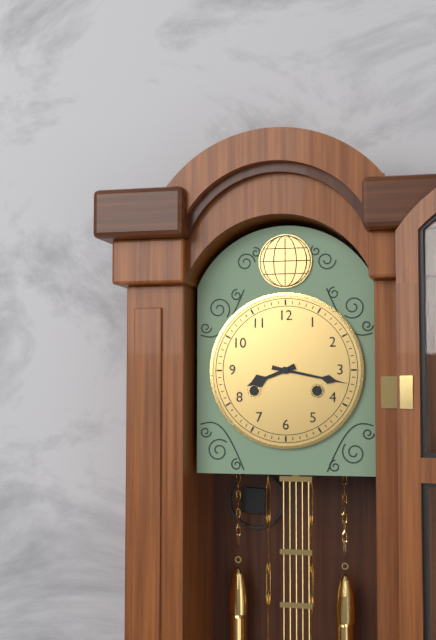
8.17
